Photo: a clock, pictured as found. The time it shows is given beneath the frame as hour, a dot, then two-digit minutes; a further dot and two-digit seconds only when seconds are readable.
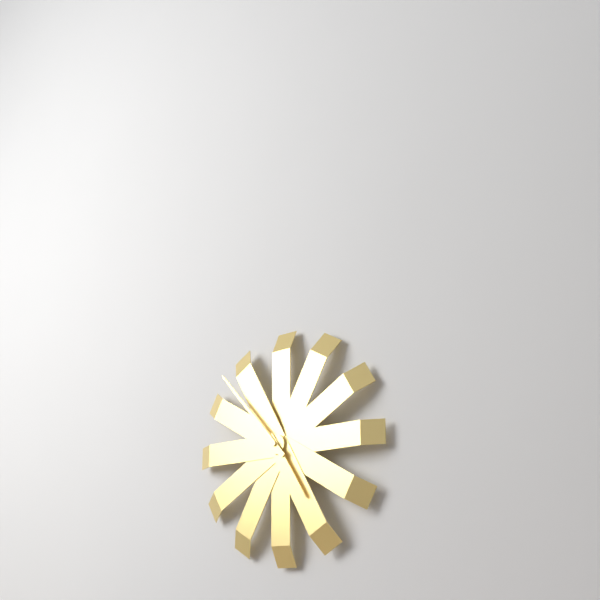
4.53
